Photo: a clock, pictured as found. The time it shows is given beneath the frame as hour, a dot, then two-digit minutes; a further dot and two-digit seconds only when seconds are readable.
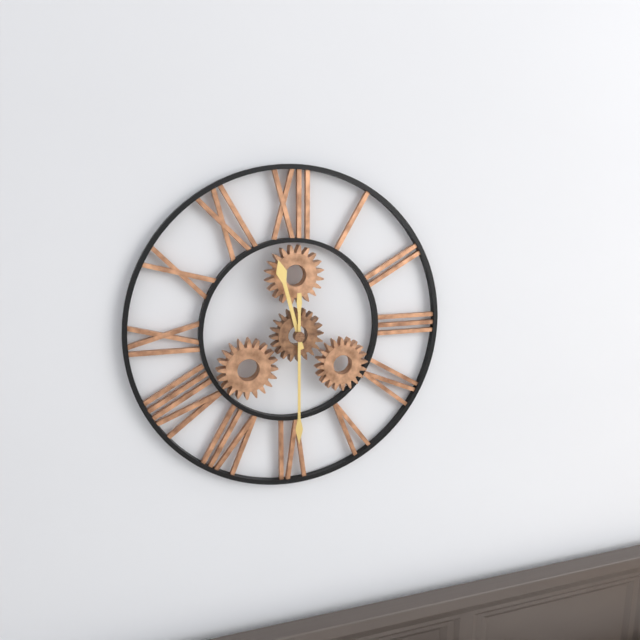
11.30
